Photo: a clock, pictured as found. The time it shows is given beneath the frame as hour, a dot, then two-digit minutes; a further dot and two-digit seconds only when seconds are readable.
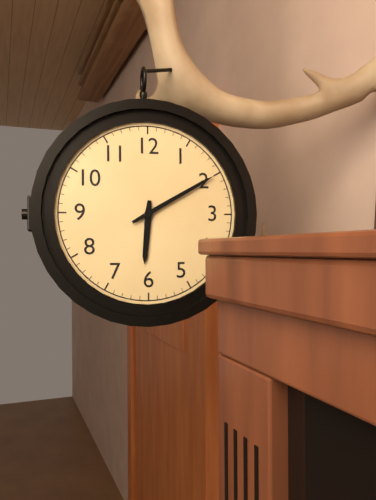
6.10
